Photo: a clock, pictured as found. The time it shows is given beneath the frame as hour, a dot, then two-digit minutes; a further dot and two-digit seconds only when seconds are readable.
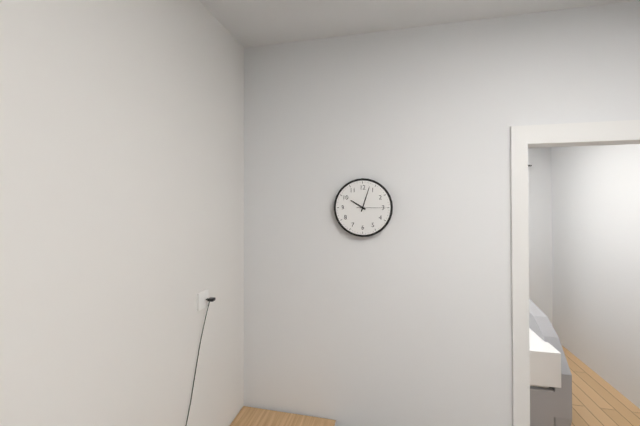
10.03
